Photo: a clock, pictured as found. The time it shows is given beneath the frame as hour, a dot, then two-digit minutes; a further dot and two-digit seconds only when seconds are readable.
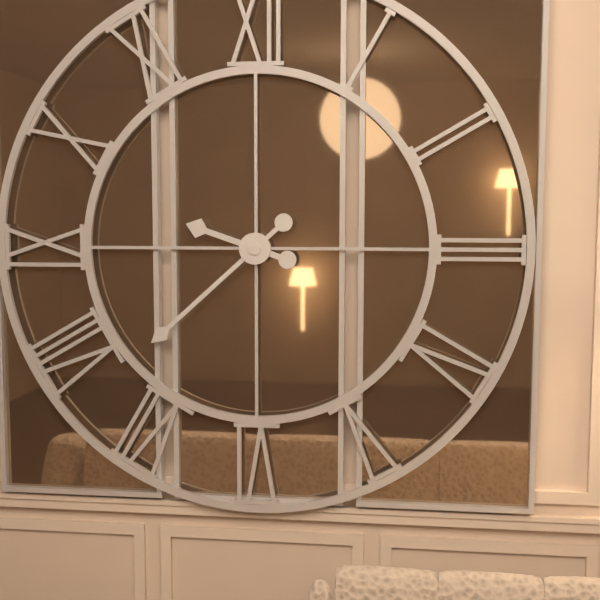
9.38
